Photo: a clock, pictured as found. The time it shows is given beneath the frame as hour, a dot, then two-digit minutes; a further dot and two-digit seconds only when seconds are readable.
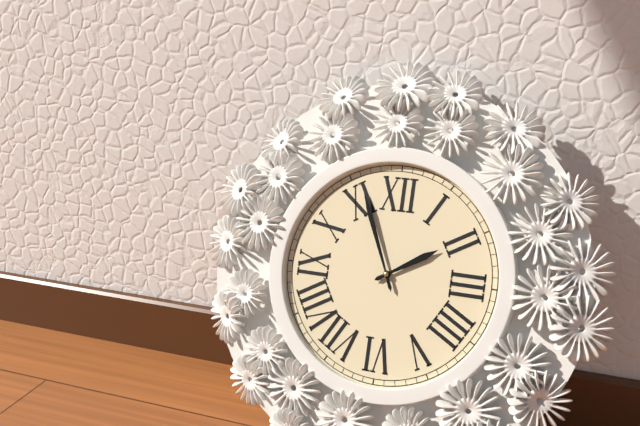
1.56
